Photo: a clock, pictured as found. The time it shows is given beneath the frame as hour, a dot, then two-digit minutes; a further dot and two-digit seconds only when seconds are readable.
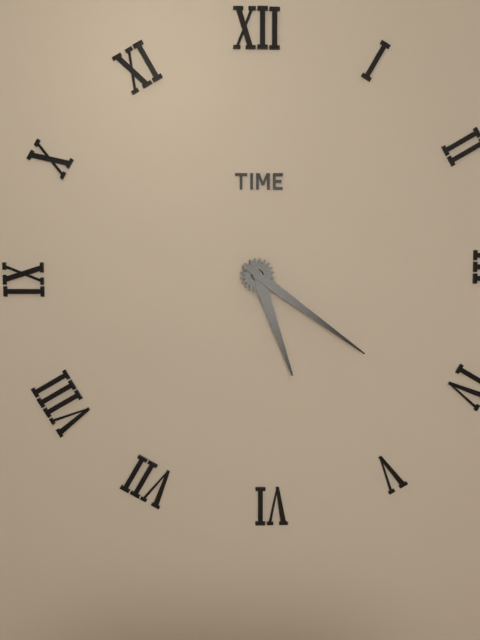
5.21
